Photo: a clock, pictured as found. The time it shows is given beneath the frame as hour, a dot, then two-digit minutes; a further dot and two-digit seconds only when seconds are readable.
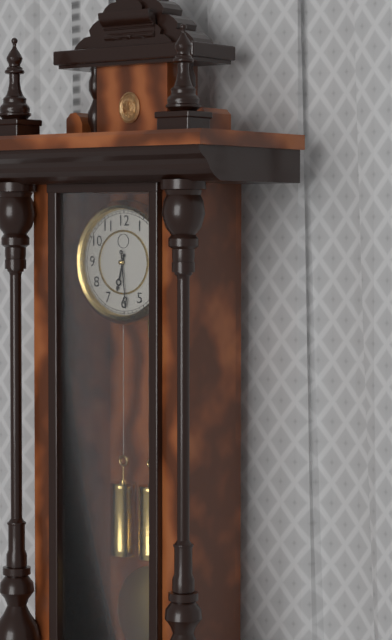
6.29
